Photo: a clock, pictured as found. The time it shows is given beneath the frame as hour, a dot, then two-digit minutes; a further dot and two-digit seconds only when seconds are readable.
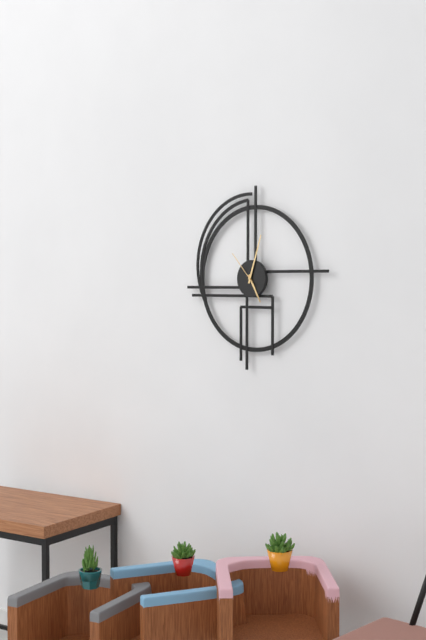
5.03
